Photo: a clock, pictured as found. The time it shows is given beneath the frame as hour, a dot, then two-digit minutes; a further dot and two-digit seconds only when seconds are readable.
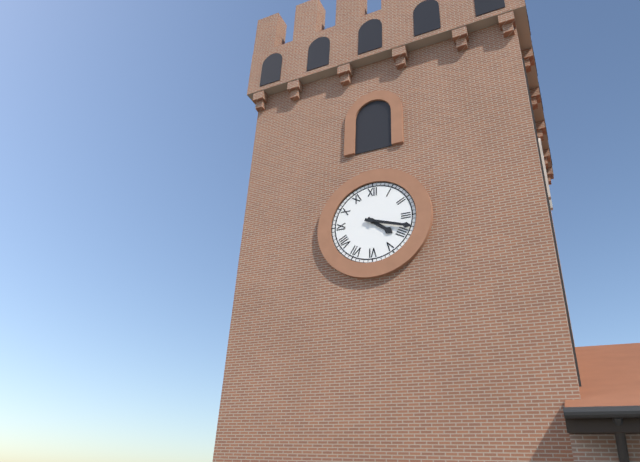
4.18
